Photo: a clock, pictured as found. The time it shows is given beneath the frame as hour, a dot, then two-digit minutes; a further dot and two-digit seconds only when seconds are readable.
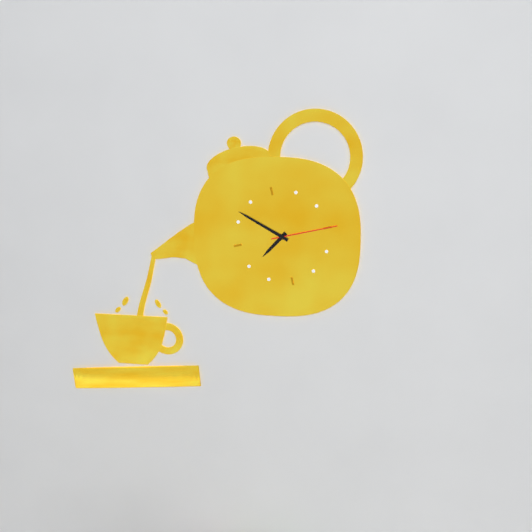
7.52.15
